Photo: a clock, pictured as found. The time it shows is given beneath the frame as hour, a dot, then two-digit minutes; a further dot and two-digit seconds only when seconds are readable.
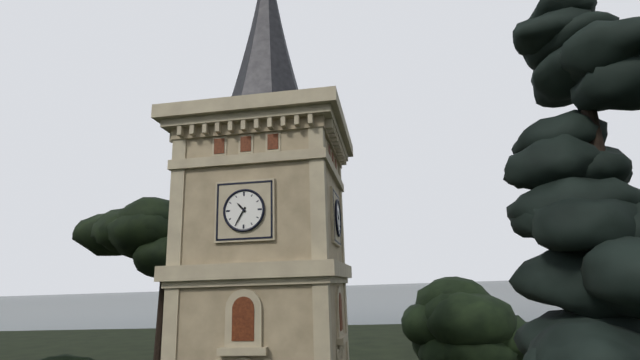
10.35
